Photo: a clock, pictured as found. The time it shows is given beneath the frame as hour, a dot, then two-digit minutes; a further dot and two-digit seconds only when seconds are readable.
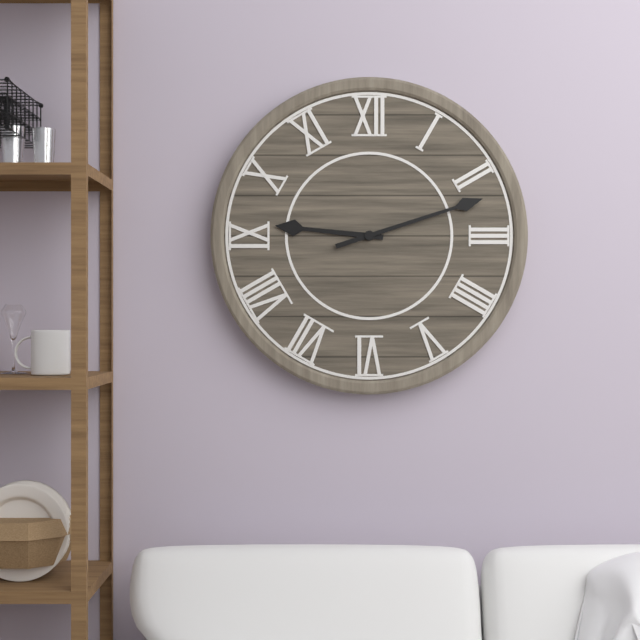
9.12
